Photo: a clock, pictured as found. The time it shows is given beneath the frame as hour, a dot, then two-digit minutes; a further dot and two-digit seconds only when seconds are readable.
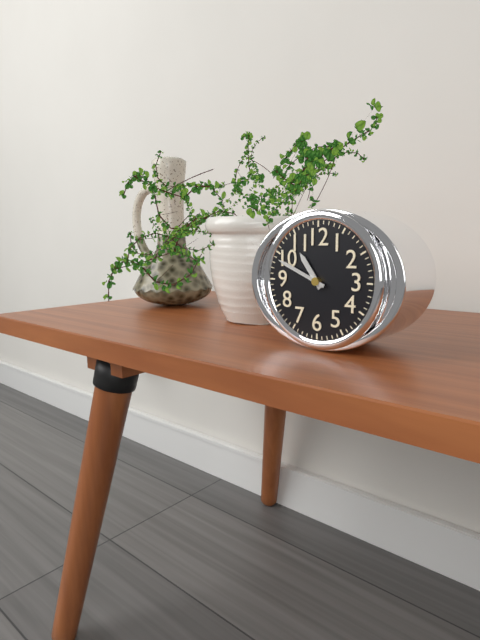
10.49
